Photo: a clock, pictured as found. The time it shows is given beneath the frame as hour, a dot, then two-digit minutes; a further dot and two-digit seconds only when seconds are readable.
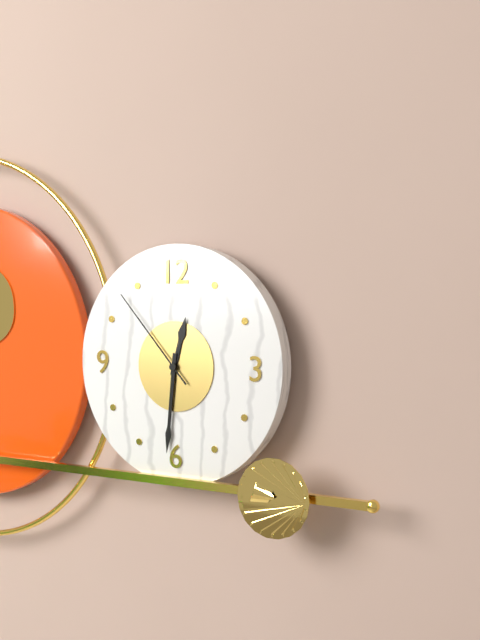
12.31.53
